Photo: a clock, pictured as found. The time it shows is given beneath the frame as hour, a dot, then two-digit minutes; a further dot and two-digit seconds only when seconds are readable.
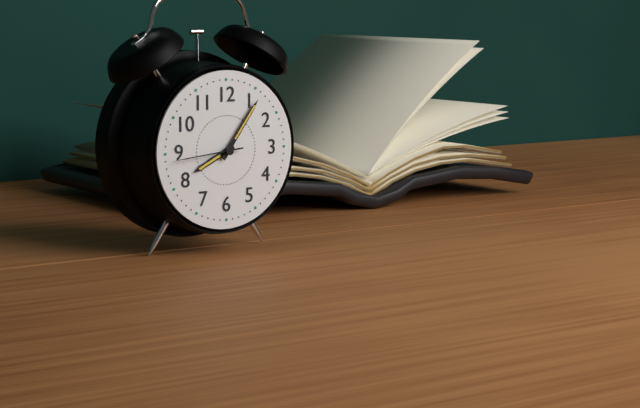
8.06.44
